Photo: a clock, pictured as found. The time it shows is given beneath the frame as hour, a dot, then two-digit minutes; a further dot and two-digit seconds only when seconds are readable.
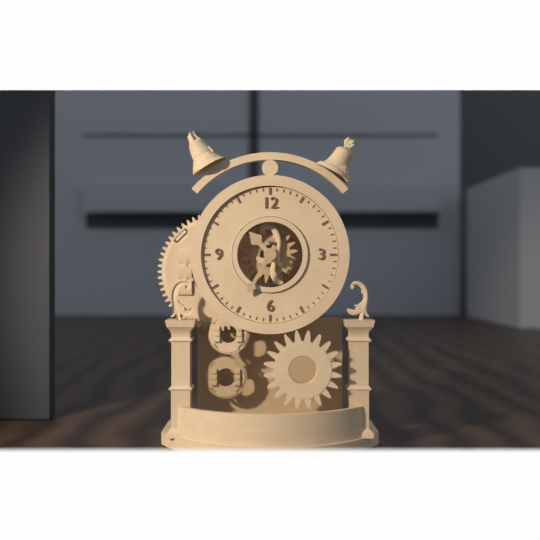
10.35
